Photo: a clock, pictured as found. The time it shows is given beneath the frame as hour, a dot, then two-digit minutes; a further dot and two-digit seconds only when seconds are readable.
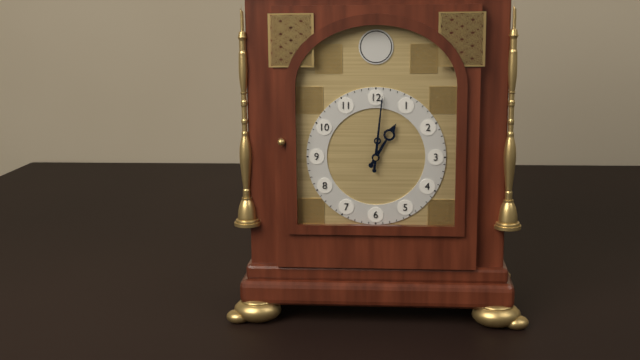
1.01
